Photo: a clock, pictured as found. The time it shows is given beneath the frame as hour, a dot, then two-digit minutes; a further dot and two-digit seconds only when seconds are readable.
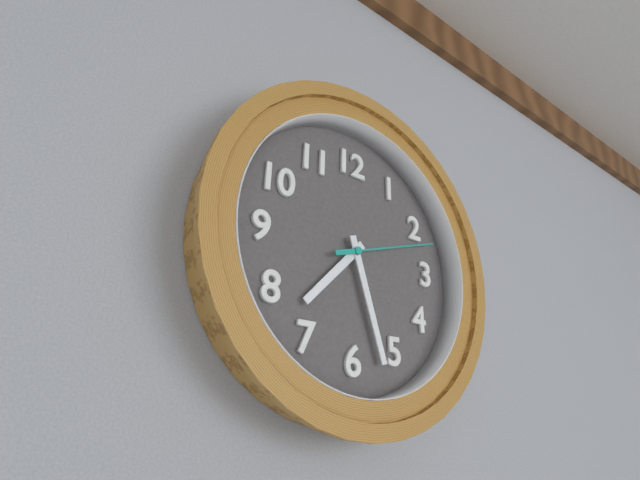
7.27.12
